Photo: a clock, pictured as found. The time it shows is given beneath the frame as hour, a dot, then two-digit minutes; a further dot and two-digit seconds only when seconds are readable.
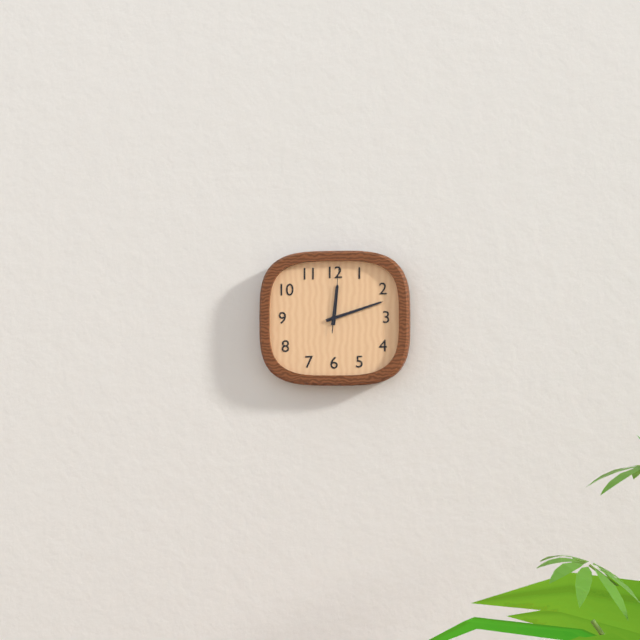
12.12.01
